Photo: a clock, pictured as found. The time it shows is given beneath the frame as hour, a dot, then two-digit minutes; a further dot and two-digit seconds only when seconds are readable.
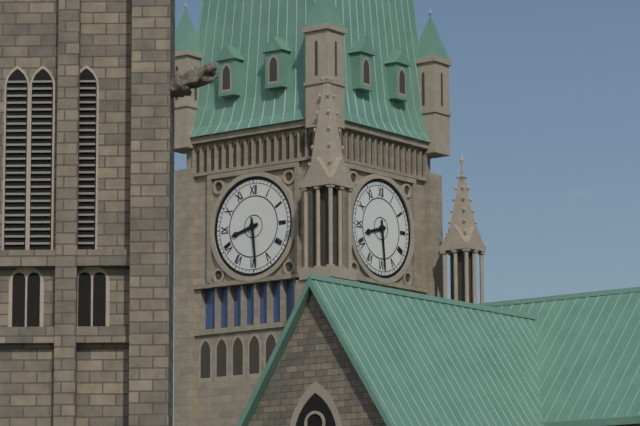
8.29
